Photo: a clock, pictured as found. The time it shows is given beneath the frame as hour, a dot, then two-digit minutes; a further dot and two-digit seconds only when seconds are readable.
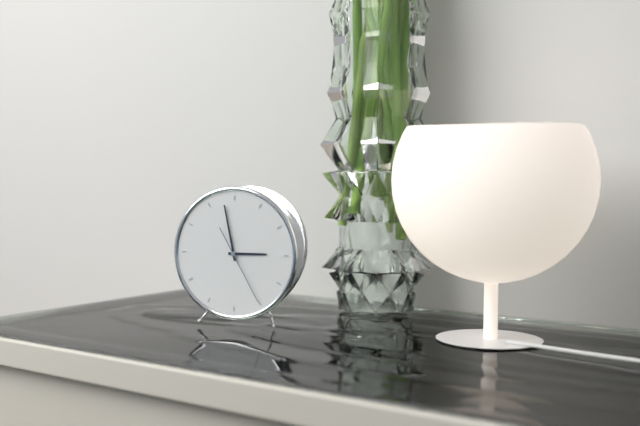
2.58.25
